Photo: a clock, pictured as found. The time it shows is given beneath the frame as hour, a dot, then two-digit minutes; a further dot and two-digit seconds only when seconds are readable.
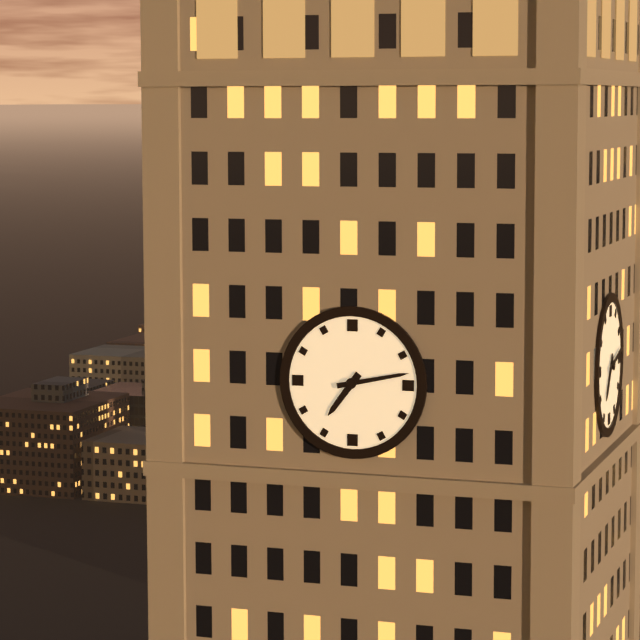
7.13
